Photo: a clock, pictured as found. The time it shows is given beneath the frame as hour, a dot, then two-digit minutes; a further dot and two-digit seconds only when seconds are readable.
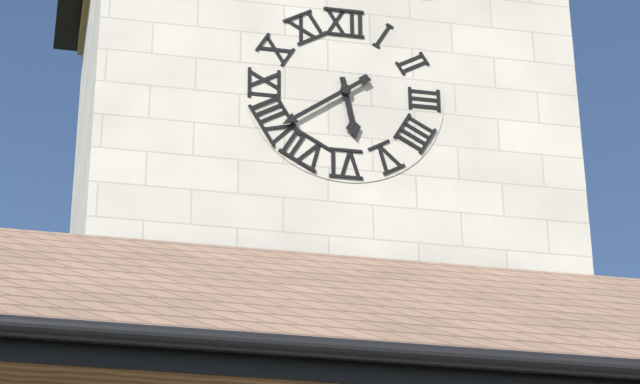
5.39
